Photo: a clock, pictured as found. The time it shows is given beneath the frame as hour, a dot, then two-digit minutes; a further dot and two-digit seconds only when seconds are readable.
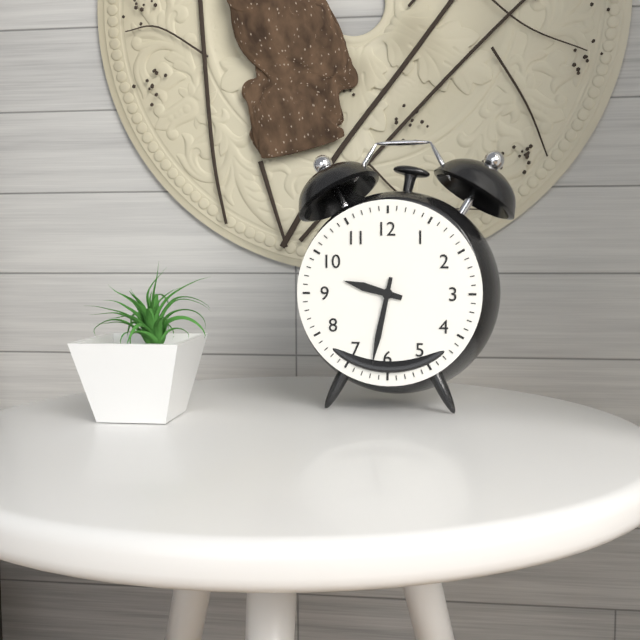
9.32
